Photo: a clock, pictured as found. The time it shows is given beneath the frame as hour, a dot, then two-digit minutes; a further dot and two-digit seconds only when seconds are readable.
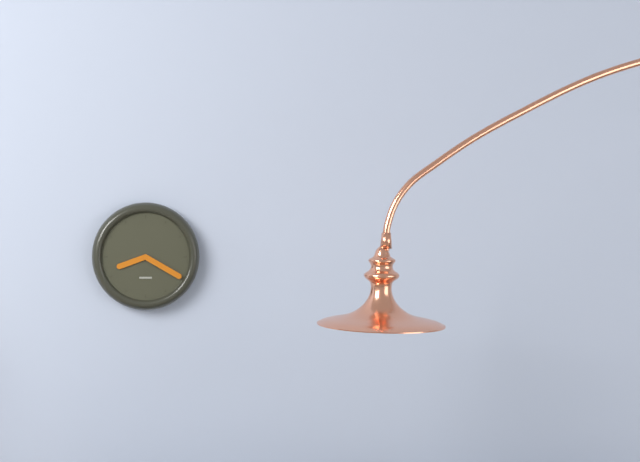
8.20
